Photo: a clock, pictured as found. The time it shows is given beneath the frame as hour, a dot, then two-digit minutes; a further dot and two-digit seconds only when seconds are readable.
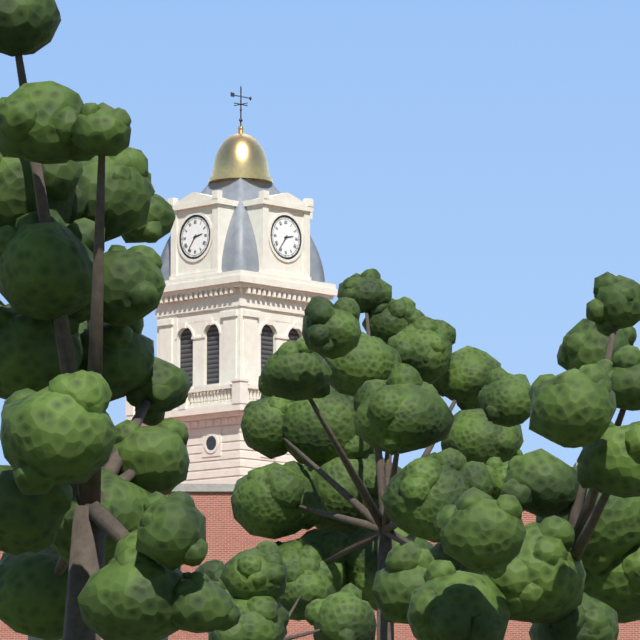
2.36
